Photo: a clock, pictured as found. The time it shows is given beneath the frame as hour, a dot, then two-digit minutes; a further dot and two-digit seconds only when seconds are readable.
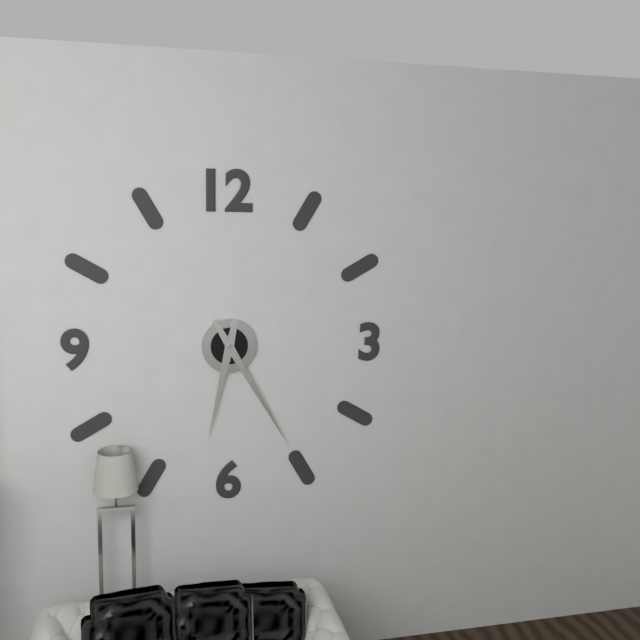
6.25
